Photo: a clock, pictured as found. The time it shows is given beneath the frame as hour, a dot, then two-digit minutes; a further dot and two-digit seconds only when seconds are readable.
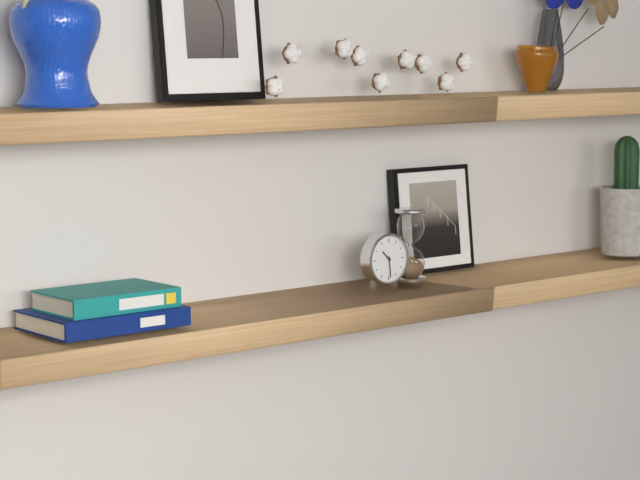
10.29
